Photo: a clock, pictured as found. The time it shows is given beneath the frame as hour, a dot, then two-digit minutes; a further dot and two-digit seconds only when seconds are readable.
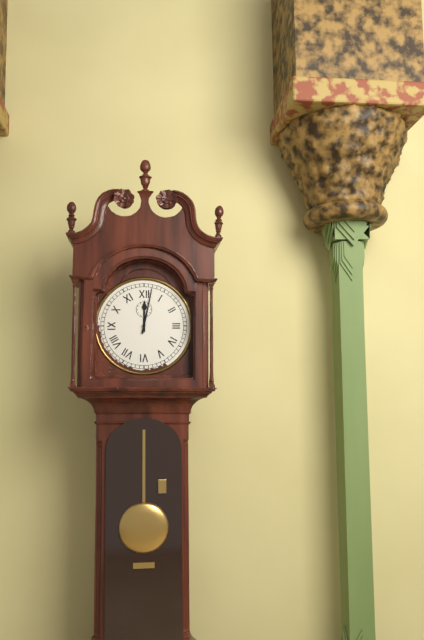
12.02
